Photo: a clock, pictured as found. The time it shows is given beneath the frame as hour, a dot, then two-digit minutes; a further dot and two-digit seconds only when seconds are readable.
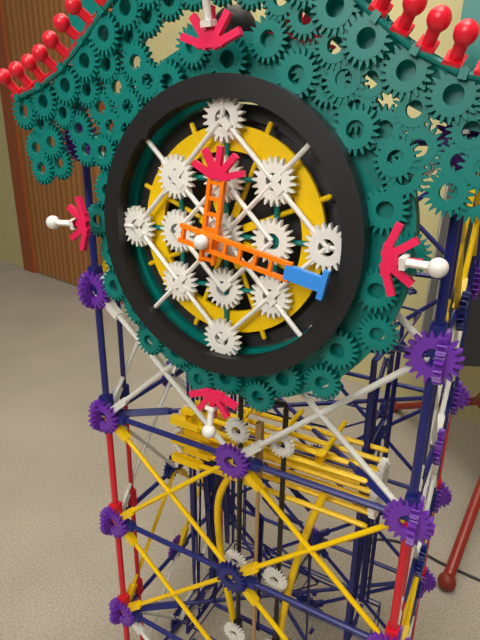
12.17
